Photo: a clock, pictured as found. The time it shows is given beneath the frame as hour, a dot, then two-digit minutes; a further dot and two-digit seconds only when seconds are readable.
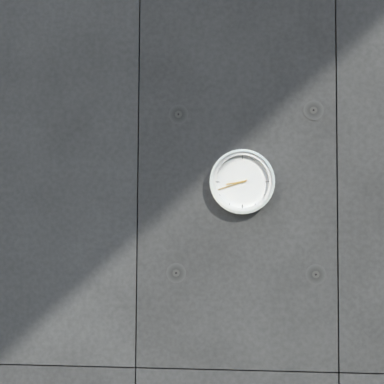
8.42
